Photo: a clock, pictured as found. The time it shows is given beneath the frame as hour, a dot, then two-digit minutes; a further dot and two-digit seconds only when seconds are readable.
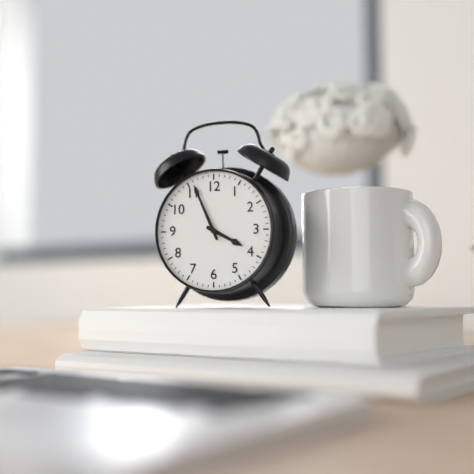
3.56
